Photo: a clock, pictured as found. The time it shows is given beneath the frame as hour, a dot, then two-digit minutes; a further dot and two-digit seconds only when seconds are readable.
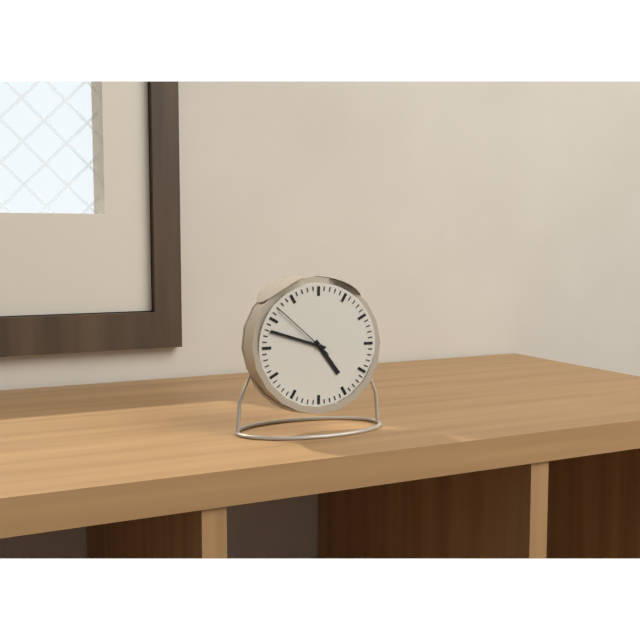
4.48.52
